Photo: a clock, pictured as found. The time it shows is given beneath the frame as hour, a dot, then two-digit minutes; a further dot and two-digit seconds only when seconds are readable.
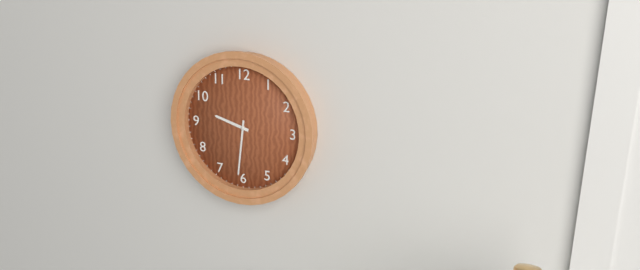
9.31
